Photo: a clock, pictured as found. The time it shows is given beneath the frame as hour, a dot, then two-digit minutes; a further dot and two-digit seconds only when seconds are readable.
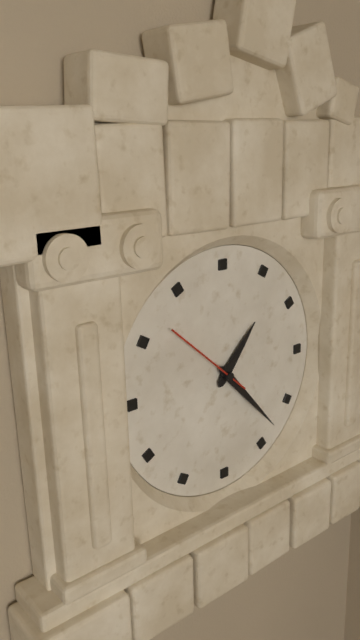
1.23.52
